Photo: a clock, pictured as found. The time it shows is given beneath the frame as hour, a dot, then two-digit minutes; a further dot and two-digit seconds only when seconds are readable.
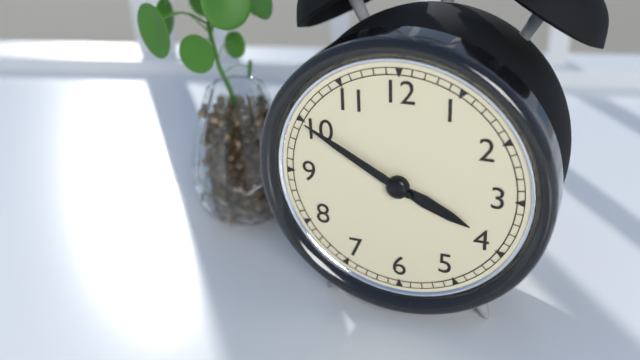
3.50
